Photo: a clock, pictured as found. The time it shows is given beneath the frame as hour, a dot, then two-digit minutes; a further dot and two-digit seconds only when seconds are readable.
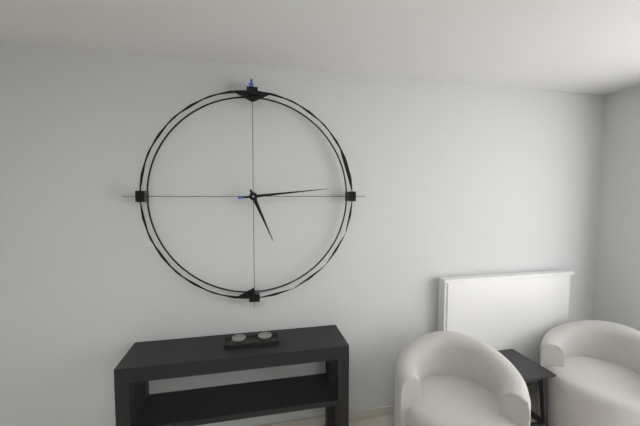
5.14
